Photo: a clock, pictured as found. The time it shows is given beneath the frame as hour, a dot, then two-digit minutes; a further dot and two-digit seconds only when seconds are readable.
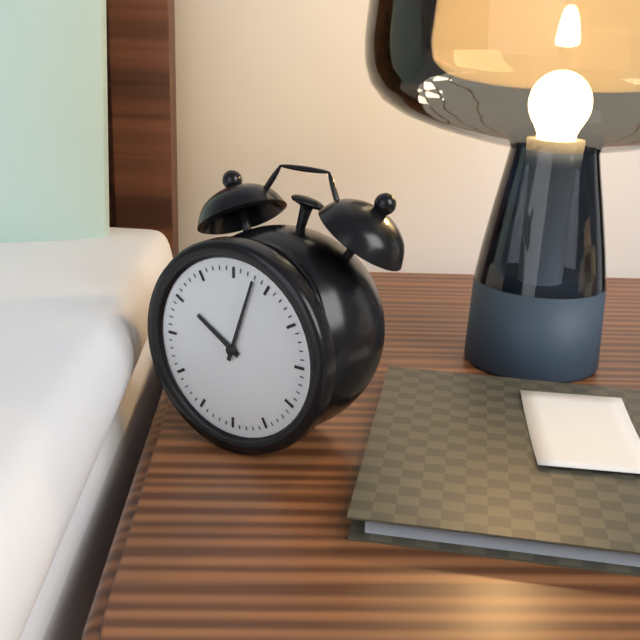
10.03
